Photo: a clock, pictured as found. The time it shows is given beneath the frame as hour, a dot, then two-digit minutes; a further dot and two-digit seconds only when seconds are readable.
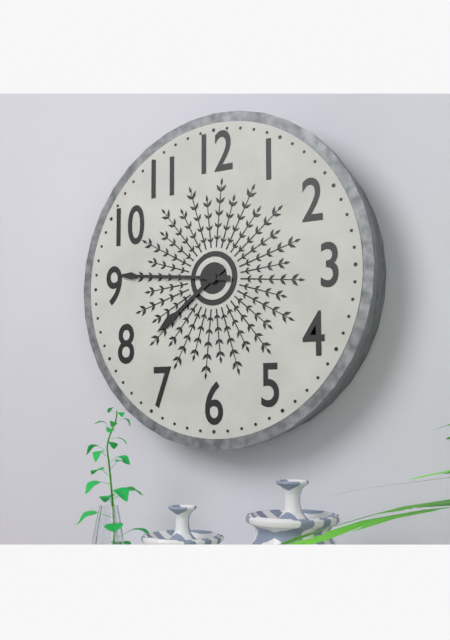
7.46
